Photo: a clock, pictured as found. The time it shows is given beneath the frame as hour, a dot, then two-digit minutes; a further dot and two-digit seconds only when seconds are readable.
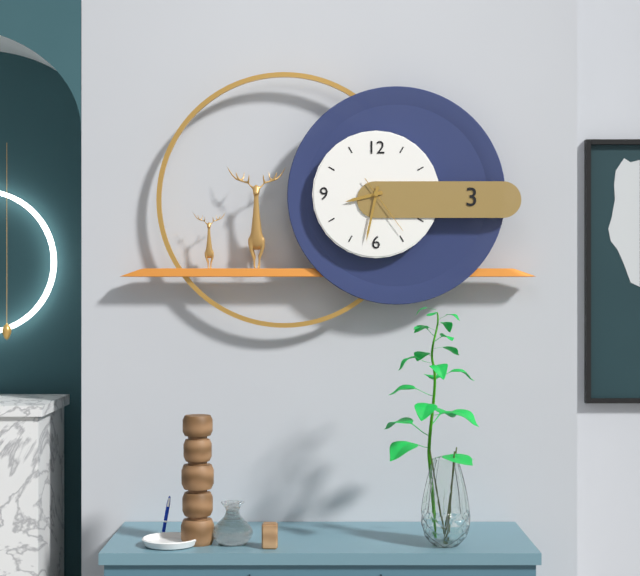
8.32.24
